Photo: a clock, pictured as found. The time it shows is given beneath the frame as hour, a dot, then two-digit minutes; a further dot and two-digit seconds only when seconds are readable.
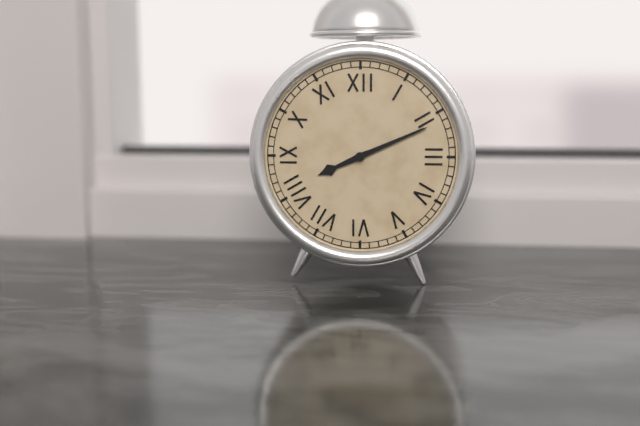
8.11
